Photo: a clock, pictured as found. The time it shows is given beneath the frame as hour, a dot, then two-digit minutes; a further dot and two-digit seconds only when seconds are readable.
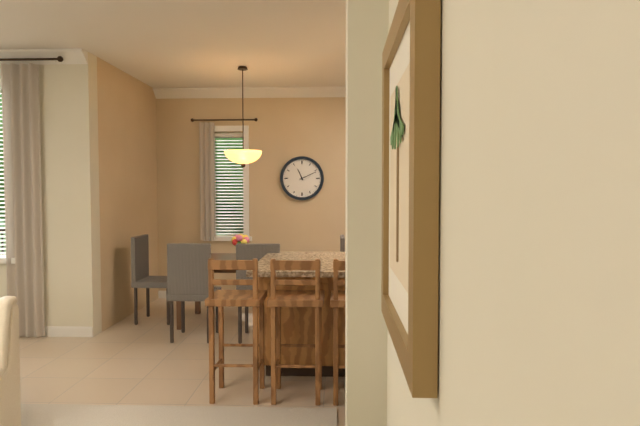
11.11
